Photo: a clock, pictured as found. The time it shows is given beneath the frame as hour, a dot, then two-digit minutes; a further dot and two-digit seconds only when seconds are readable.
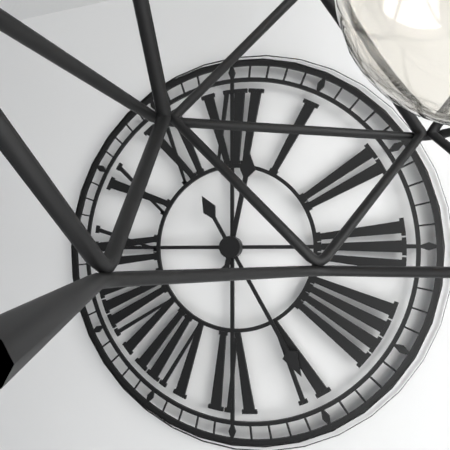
12.25
